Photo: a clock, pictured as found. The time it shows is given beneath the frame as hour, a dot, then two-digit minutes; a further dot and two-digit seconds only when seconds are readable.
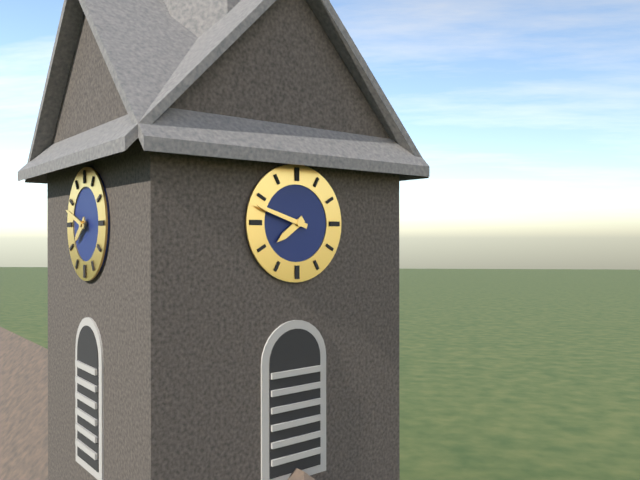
7.48
